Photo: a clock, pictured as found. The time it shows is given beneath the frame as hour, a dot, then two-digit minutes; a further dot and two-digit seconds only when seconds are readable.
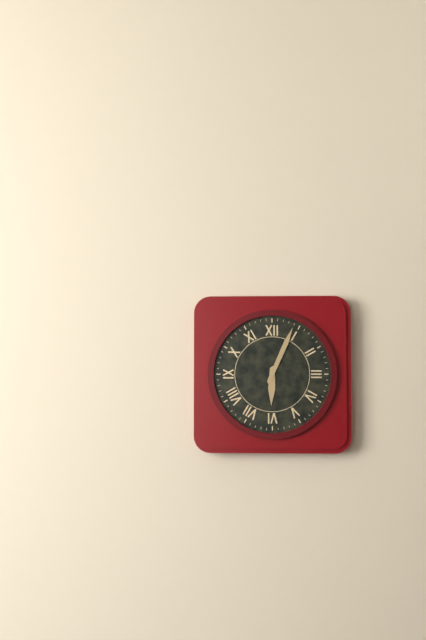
6.04
